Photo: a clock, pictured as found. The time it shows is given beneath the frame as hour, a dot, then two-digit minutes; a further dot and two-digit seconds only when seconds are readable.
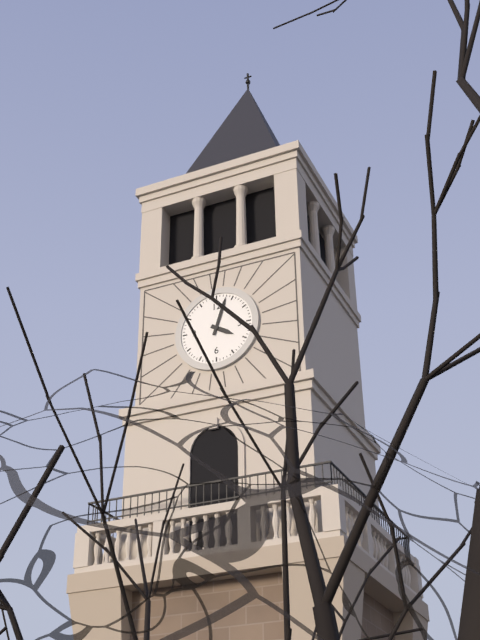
4.03
